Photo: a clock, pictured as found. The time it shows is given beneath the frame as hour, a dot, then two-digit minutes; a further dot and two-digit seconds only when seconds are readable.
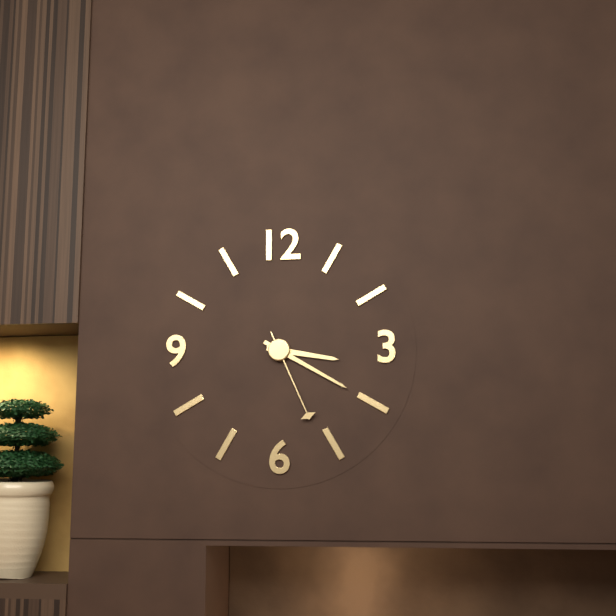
3.20.26
